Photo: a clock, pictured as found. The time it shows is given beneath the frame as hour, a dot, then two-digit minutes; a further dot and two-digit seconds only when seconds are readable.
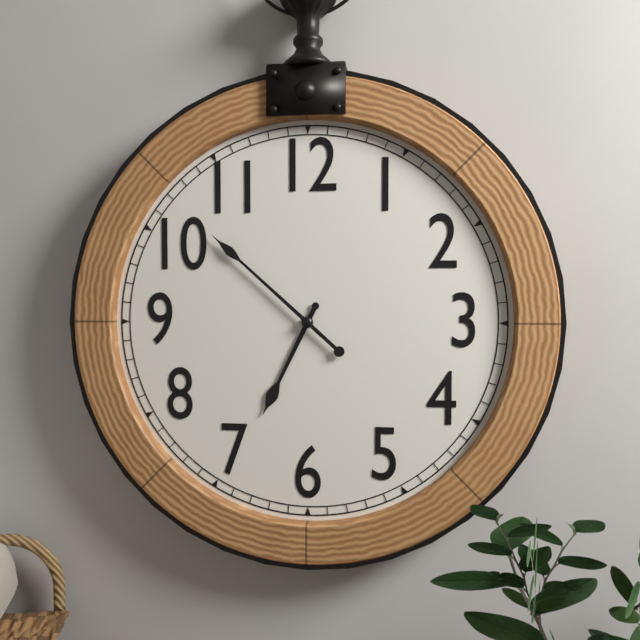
6.52
